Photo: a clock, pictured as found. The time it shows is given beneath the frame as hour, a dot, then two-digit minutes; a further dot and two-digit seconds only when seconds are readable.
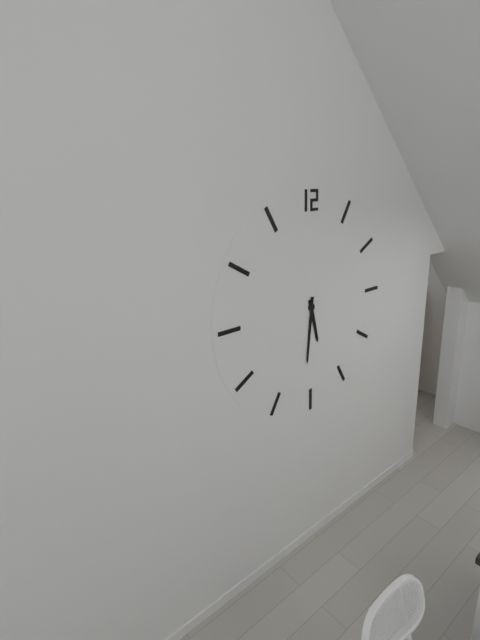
5.31
